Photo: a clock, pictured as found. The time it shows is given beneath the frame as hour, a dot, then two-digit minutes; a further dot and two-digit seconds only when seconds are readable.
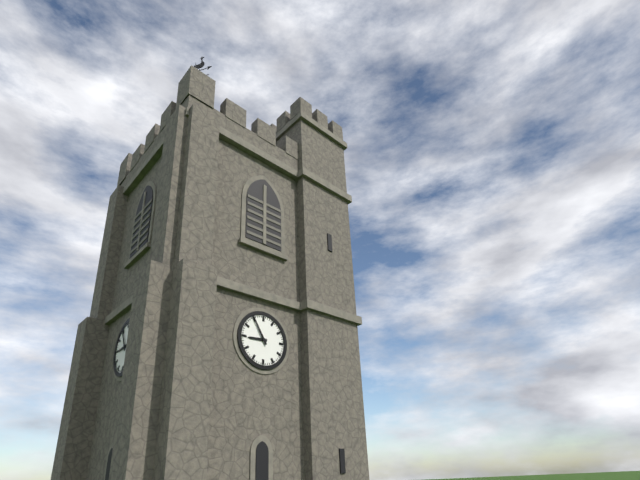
8.55
